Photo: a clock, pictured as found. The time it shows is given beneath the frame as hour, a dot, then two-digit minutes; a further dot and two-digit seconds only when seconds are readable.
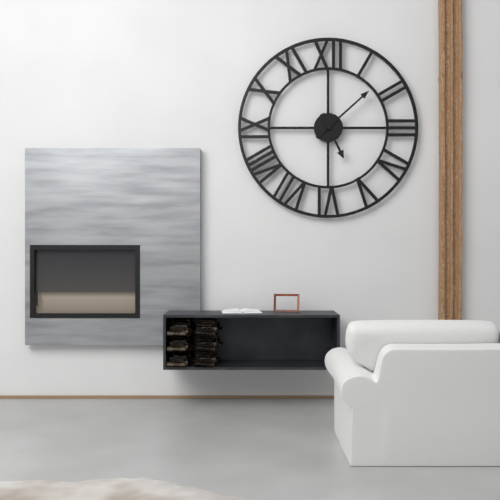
5.08
